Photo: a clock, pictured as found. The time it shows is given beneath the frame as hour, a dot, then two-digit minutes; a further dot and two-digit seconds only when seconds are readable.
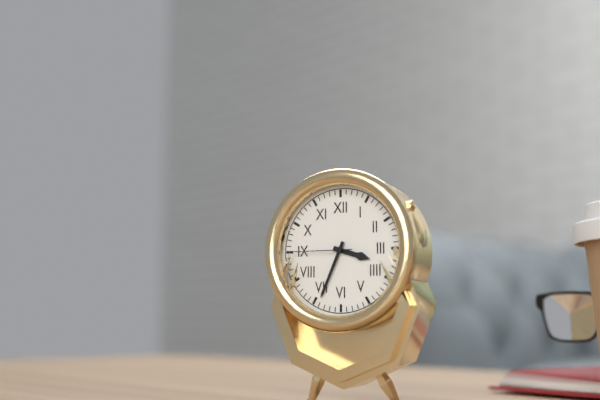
3.34.45
